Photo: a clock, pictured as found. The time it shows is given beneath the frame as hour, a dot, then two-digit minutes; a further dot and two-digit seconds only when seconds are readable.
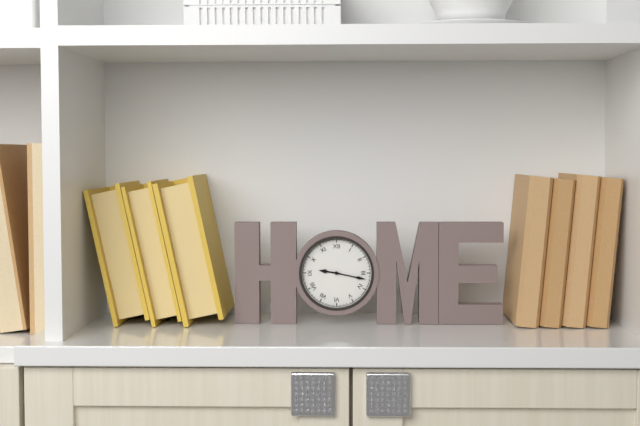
9.17
